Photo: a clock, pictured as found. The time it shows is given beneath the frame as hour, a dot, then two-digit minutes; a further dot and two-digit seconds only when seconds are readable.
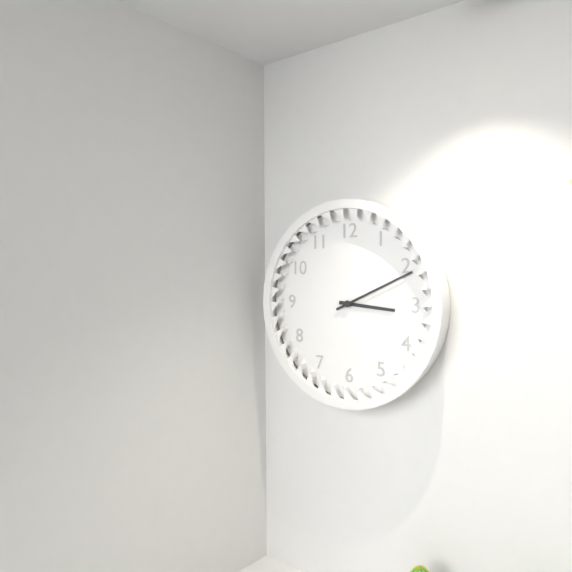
3.11
